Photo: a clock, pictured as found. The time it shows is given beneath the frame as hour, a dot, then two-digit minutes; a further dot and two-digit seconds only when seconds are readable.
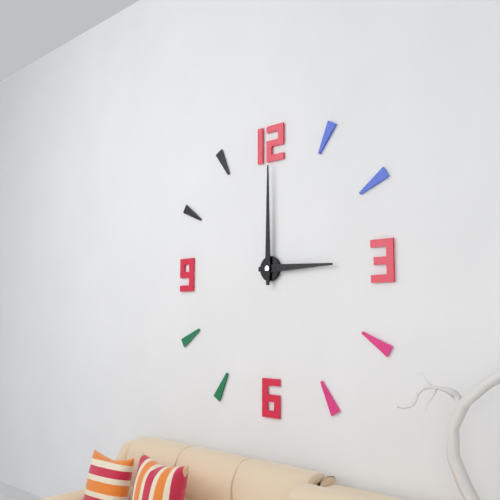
3.00
